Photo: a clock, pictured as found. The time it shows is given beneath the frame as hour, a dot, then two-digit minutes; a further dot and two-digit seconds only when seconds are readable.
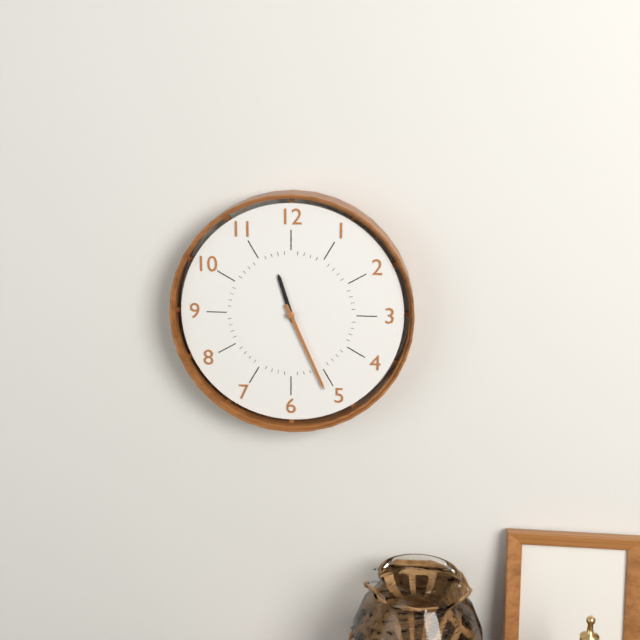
11.26
